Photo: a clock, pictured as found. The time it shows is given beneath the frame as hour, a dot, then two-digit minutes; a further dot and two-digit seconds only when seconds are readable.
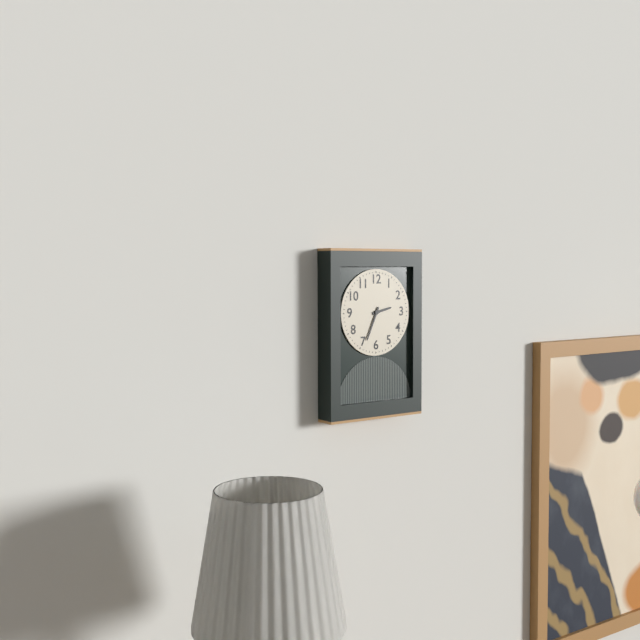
2.34
